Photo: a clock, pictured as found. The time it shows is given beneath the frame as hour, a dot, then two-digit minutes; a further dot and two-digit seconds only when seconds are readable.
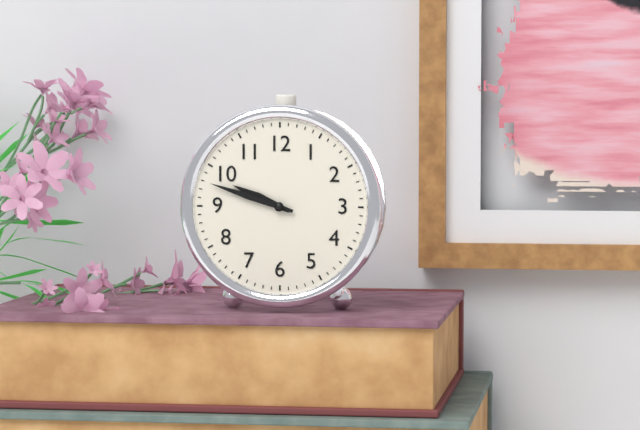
9.48
